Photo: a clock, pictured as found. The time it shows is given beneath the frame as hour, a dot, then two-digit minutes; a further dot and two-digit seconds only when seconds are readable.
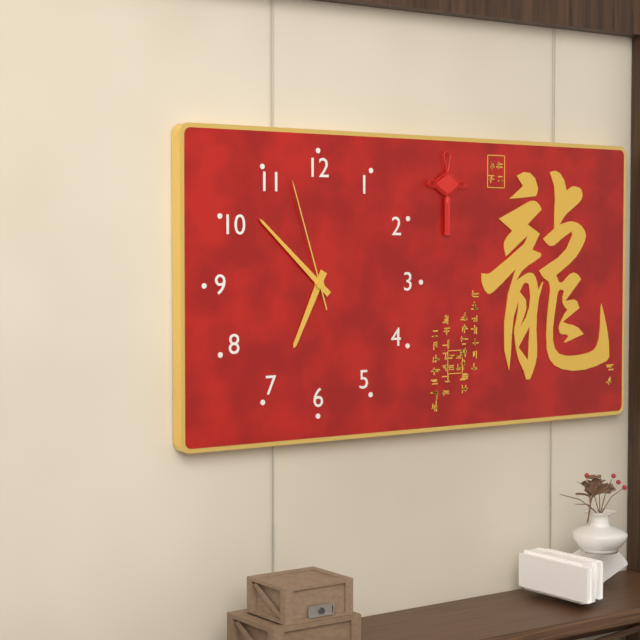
6.52.57
